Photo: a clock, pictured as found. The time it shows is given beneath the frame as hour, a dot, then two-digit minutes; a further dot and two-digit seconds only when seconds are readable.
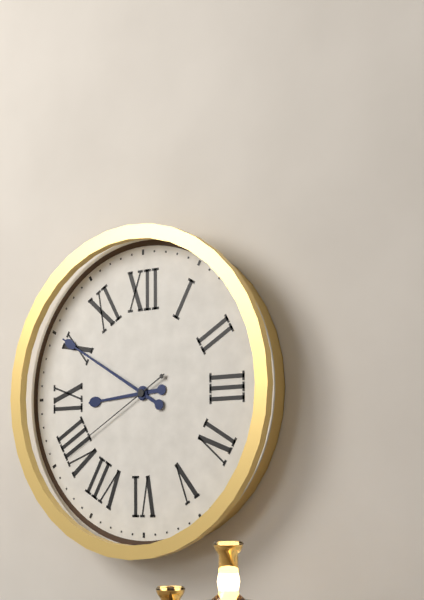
8.50.40
